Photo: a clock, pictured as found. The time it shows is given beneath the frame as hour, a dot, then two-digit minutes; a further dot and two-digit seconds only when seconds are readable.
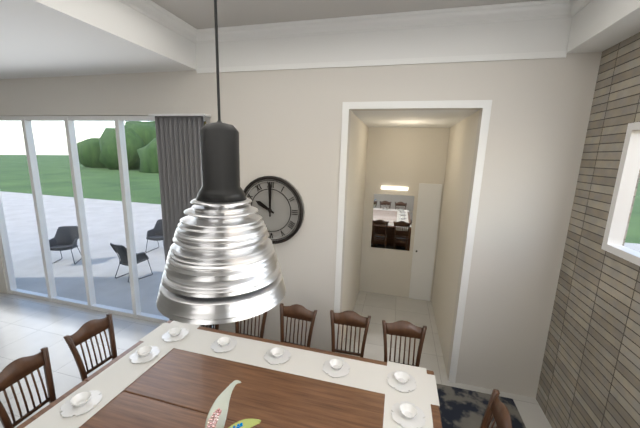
10.00
